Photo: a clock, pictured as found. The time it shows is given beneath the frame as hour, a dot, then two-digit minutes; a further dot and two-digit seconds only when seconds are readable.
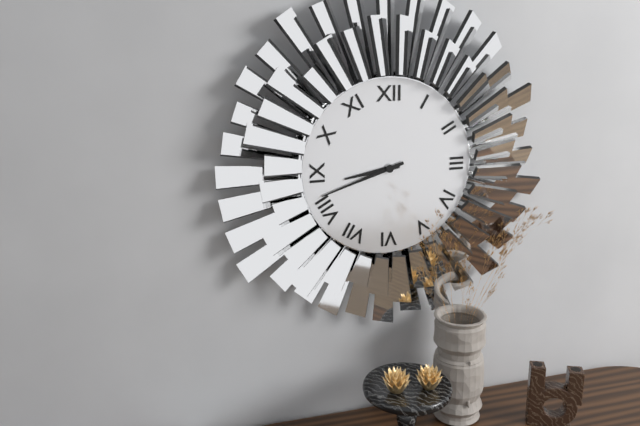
8.42
